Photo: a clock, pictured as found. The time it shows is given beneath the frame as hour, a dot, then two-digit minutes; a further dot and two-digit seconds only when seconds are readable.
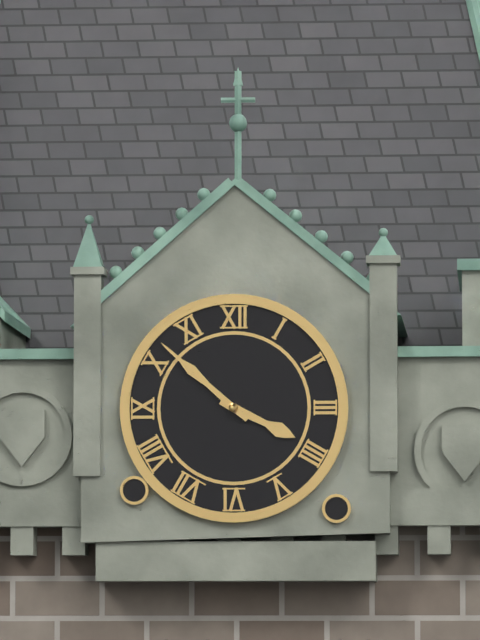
3.52
